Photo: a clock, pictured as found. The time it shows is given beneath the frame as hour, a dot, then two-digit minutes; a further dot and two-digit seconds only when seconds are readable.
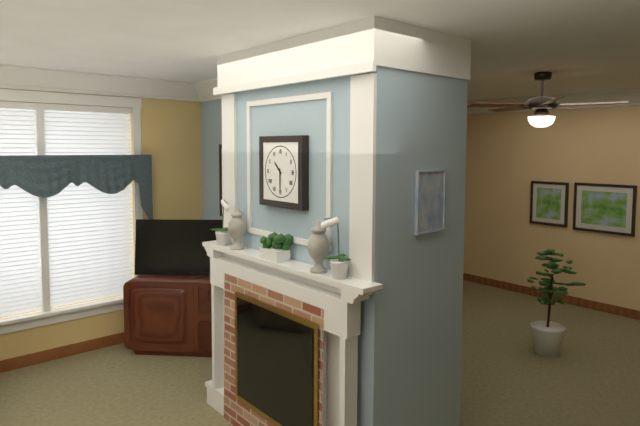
10.30
